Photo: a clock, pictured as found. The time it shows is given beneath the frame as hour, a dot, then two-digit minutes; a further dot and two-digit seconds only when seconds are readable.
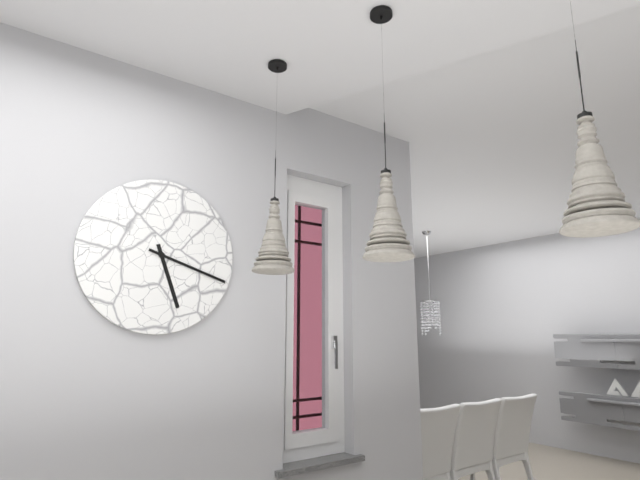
5.18
